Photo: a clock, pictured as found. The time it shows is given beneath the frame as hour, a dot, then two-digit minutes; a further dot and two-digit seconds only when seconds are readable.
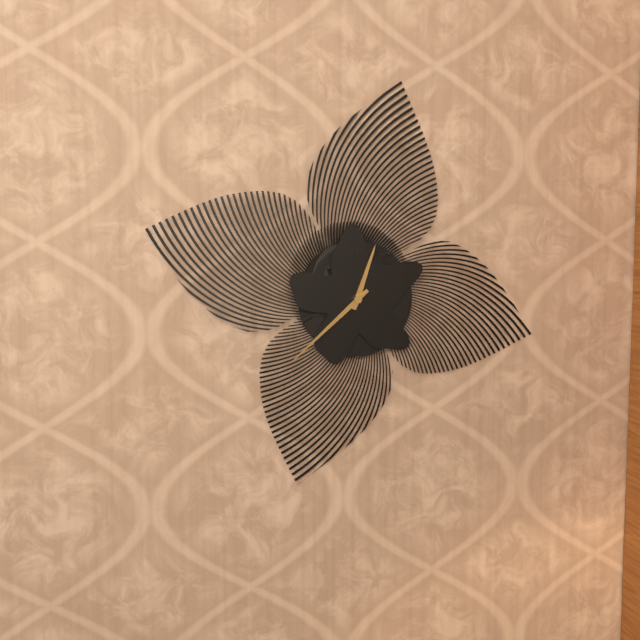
12.38
